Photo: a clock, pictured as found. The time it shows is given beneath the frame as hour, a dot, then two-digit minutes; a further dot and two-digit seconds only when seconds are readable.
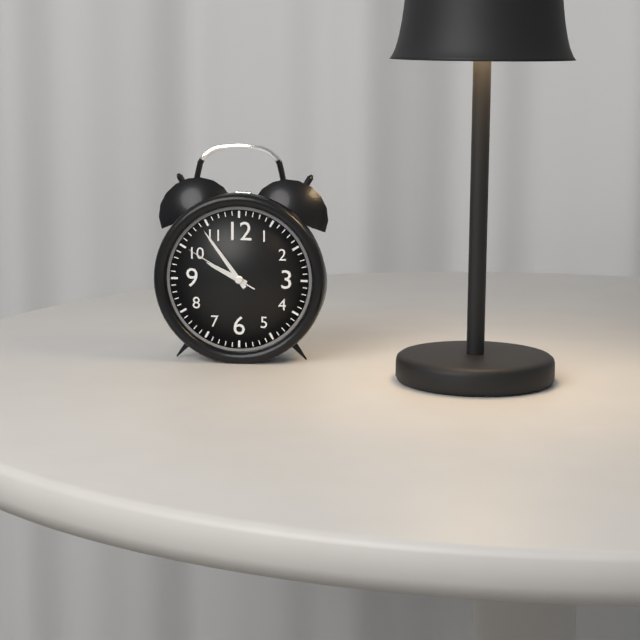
9.54.50
